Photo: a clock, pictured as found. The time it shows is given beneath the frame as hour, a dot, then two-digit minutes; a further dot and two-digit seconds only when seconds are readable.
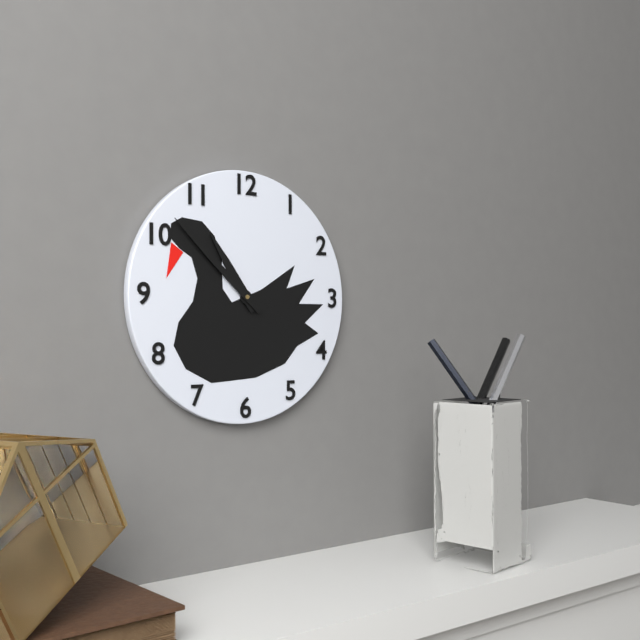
10.52
